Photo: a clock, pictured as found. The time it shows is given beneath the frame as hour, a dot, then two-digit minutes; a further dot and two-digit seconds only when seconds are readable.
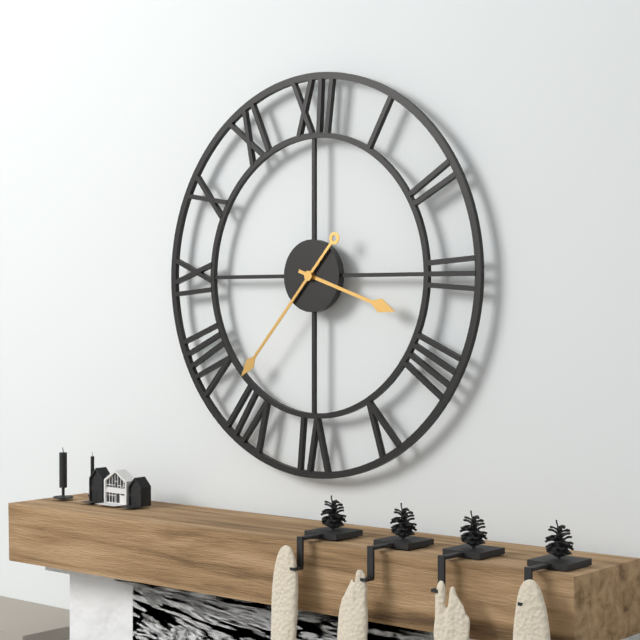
3.37
